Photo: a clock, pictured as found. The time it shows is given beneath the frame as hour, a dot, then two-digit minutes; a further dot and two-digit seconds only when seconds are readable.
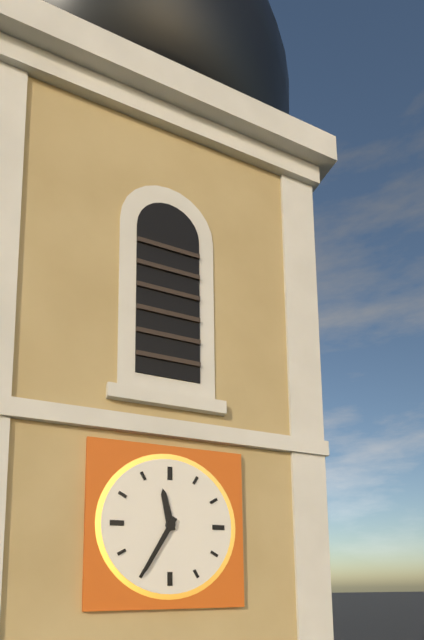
11.35
